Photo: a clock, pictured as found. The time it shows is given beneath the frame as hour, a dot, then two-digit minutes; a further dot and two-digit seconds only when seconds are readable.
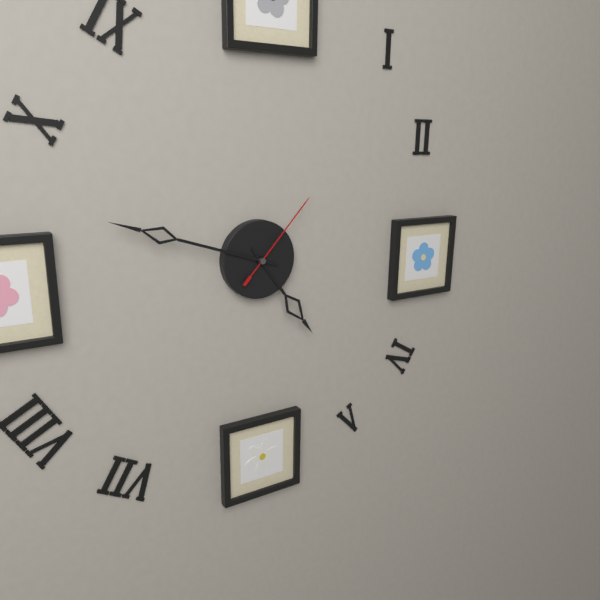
4.48.07
